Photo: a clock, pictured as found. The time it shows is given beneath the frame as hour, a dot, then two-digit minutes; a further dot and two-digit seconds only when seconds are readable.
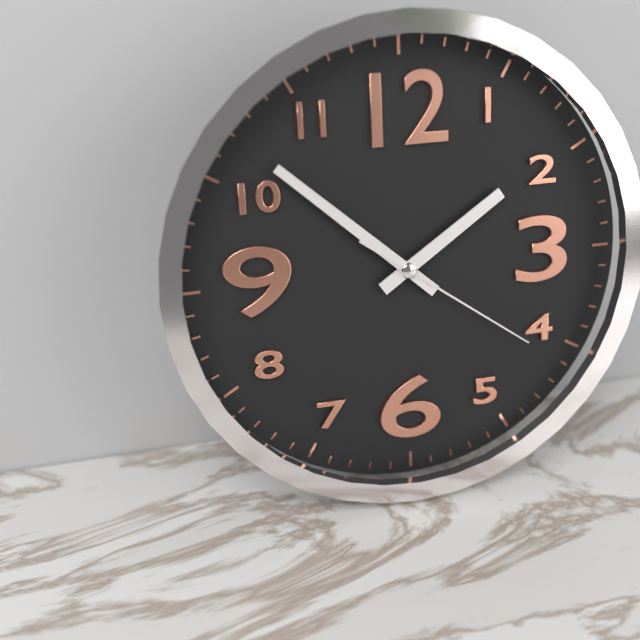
1.52.21
